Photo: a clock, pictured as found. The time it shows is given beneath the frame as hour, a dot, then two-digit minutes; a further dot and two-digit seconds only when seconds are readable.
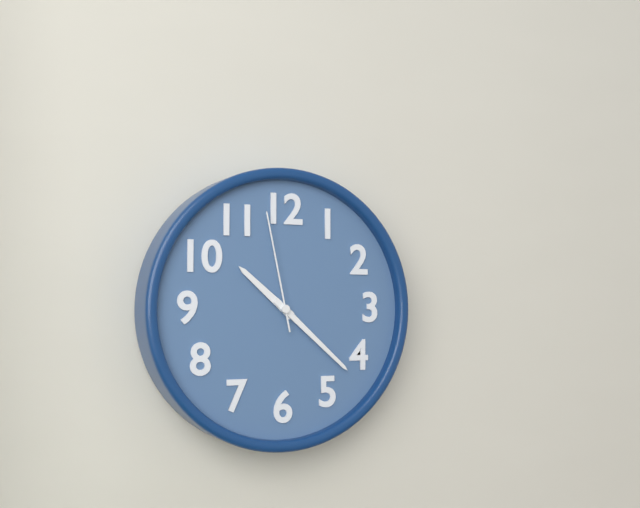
10.22.58
